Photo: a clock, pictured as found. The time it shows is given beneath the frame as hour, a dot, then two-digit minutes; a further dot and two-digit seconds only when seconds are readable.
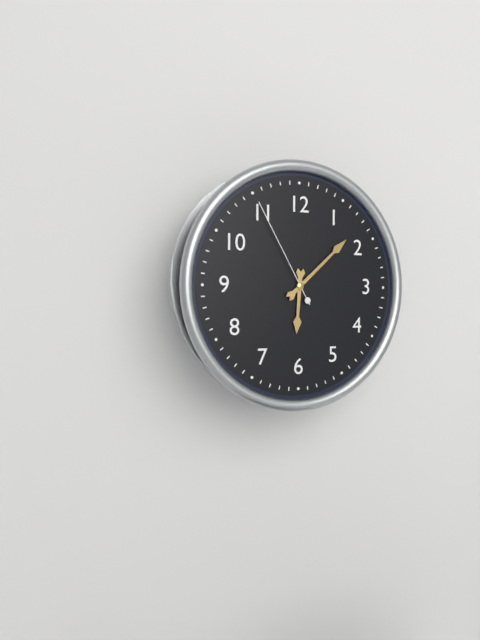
6.08.55
